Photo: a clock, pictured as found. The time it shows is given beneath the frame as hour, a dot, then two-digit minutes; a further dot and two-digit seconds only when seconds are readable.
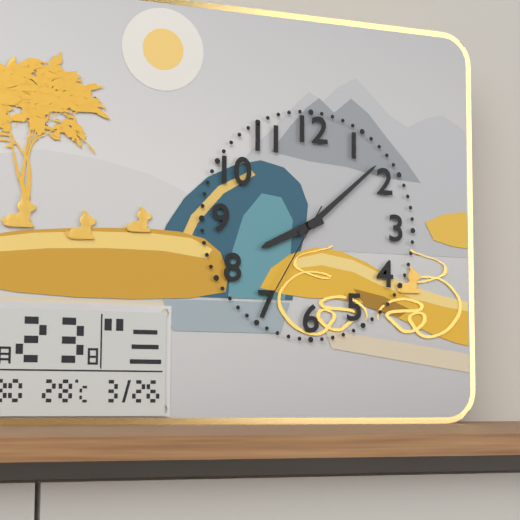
8.08.35
